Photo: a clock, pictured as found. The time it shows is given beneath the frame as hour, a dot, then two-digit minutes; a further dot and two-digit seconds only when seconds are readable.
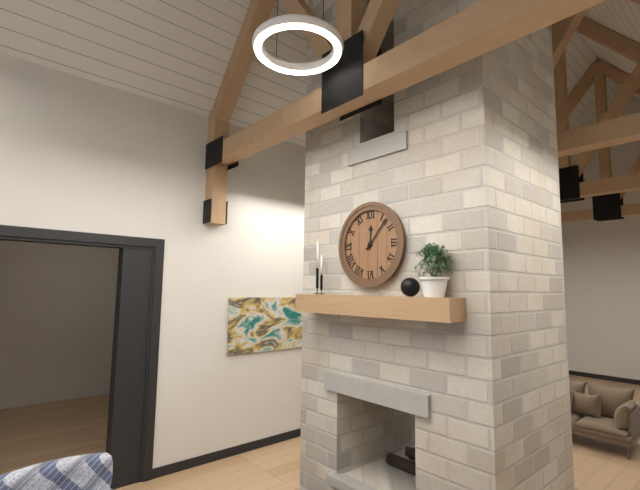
12.07
